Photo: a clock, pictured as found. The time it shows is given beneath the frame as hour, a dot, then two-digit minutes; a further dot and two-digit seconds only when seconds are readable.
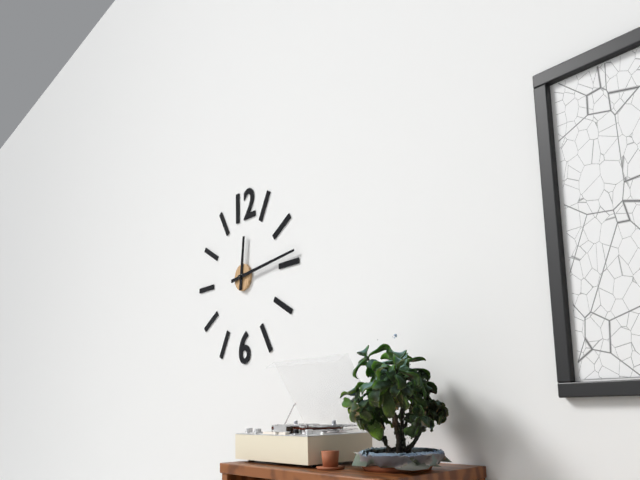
12.14
